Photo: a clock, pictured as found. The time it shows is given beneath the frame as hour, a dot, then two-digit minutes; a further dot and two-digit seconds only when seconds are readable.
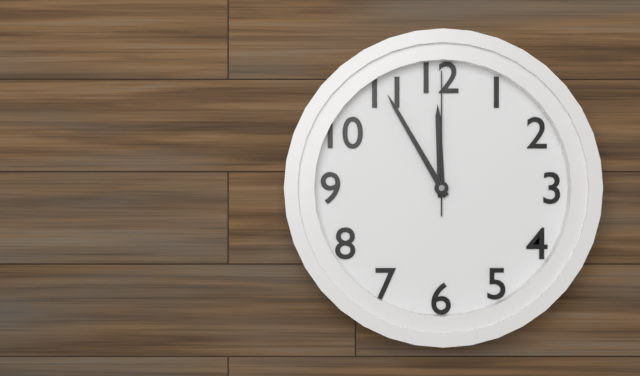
11.55.00
